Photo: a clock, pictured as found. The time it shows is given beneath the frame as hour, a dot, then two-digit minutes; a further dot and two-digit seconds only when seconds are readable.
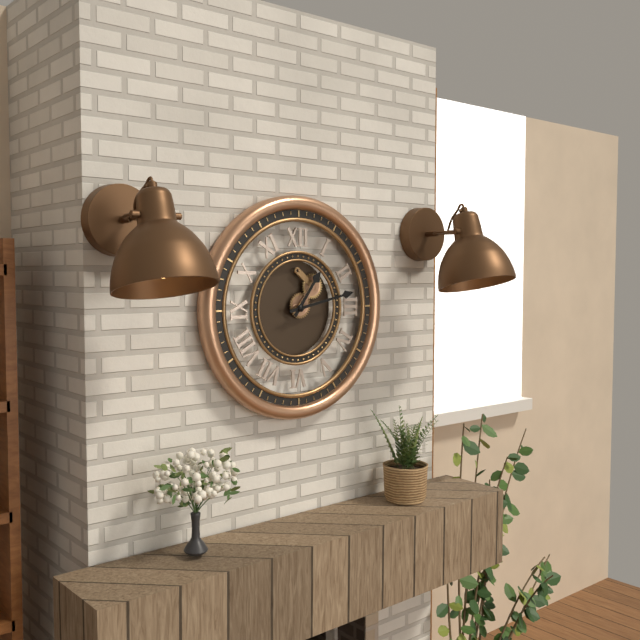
1.13
